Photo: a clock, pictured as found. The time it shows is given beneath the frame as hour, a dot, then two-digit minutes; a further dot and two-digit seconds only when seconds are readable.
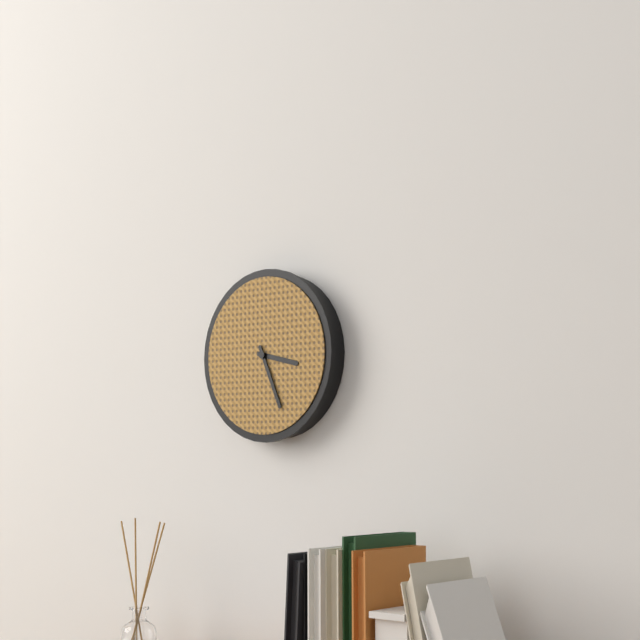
3.26
